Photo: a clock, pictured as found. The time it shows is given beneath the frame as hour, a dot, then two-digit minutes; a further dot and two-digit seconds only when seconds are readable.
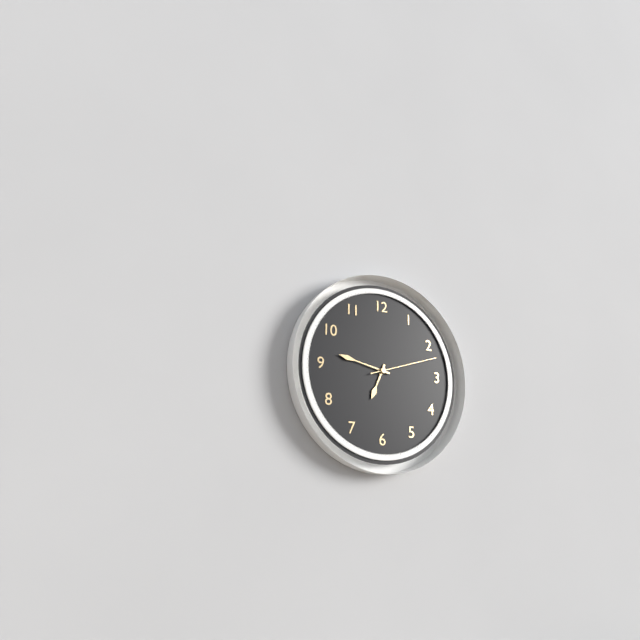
6.47.12
